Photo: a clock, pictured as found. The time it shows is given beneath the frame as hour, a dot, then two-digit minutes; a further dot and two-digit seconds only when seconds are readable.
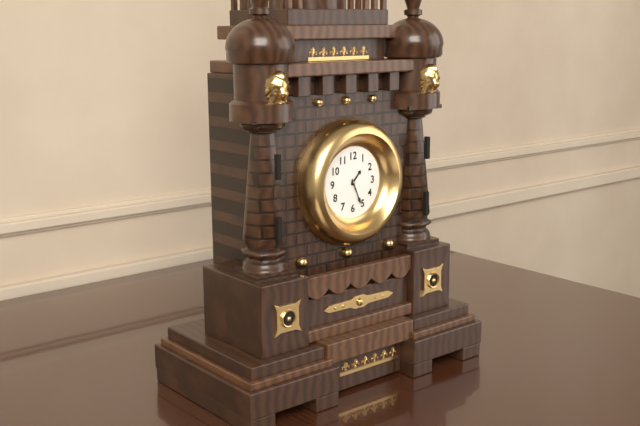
1.26
